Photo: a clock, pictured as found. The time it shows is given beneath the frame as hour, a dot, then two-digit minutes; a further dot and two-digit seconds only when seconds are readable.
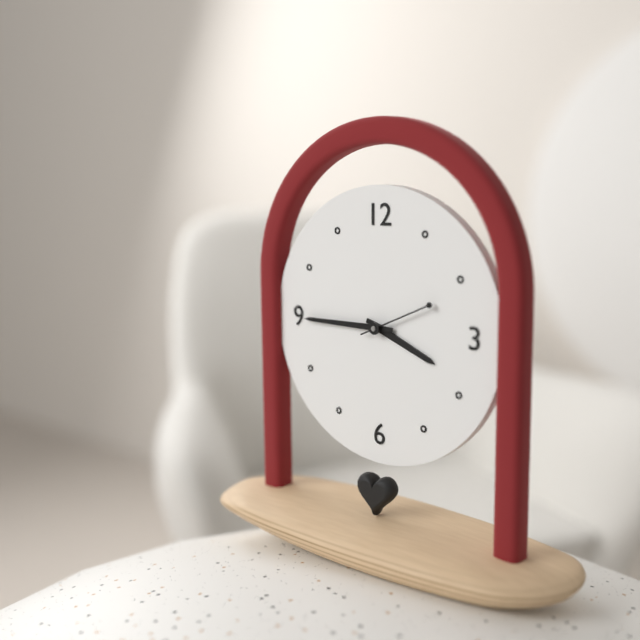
3.45.11
